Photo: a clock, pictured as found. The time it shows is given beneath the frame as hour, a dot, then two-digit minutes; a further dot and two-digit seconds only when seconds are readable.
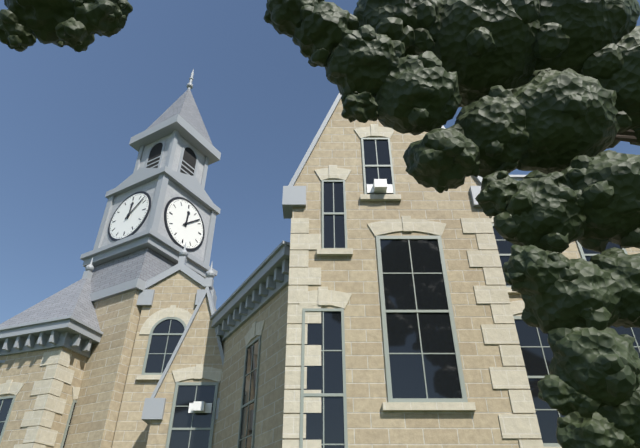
12.08
